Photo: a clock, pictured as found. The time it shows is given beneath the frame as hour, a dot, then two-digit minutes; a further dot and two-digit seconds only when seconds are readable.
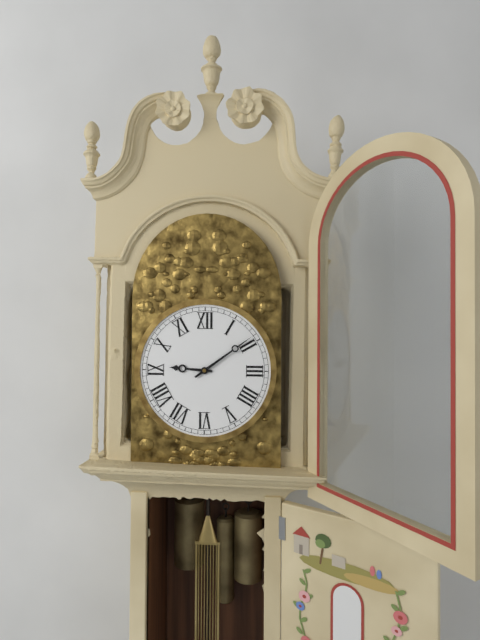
9.09
